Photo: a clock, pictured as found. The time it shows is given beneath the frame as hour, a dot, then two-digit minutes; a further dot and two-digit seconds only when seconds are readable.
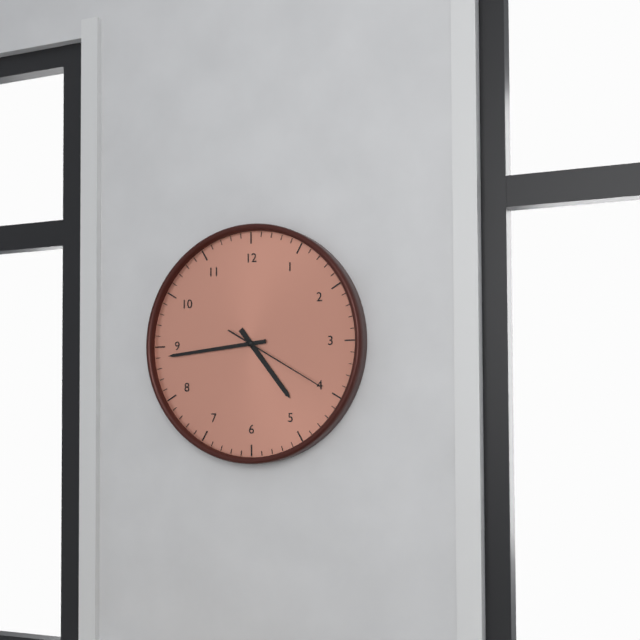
4.44.20
